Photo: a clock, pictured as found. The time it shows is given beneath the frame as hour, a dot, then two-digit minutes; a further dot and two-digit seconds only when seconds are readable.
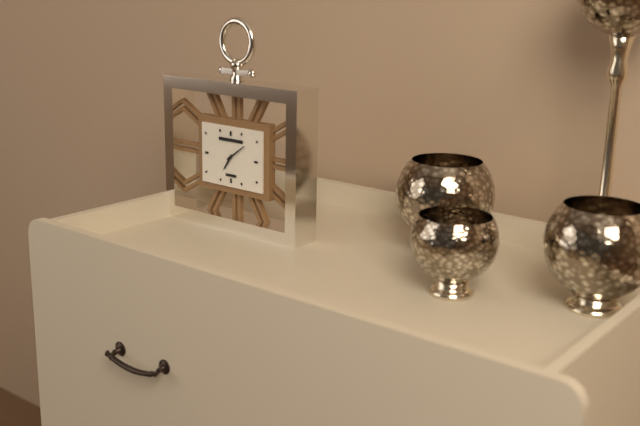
7.09
